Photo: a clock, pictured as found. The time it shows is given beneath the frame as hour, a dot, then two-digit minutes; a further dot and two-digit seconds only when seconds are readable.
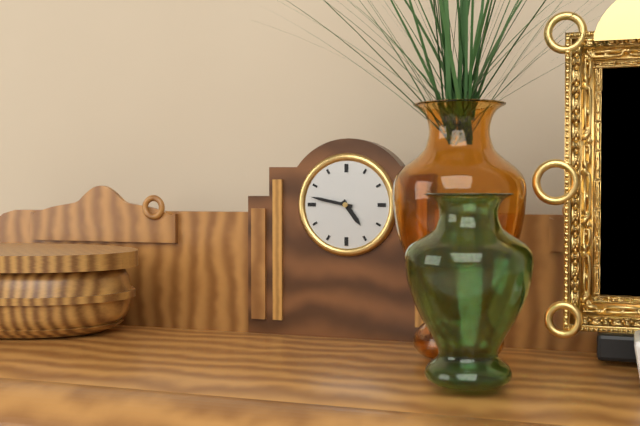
4.47
